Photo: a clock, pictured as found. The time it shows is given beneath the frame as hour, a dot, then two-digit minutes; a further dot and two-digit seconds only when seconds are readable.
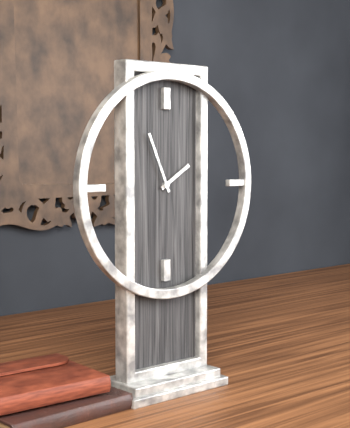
1.56
